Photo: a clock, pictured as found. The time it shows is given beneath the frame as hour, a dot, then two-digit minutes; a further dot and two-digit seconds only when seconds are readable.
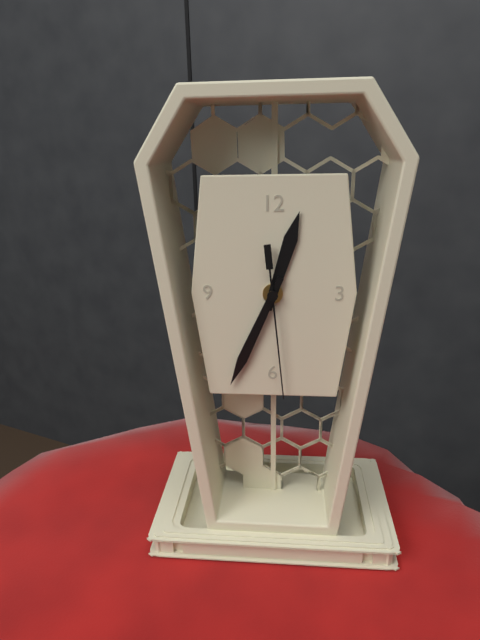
12.34.29
